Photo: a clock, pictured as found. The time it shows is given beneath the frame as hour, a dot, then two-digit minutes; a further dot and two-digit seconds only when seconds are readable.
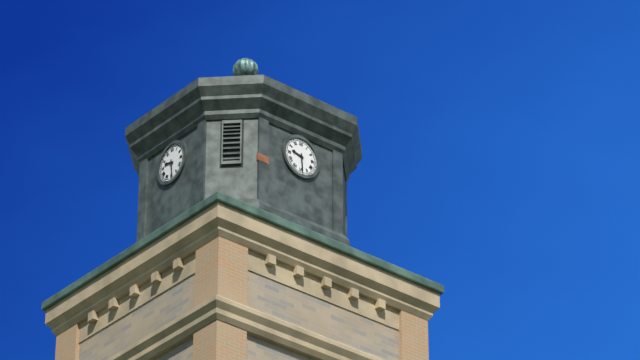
9.29
